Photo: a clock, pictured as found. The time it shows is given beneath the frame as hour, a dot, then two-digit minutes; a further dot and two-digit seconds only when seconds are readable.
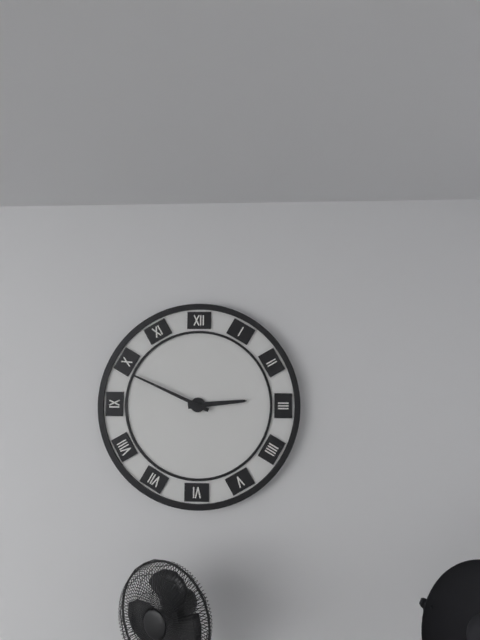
2.49
